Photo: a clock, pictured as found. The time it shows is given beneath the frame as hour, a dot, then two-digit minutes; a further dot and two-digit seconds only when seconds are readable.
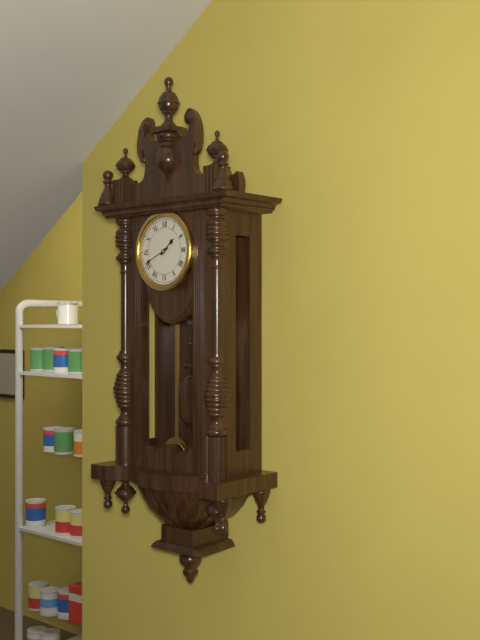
1.41
